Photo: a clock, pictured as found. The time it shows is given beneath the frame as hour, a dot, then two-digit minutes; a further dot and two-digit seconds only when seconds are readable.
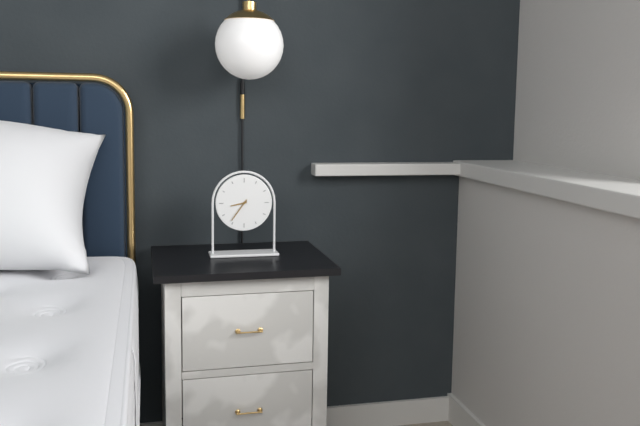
8.36
